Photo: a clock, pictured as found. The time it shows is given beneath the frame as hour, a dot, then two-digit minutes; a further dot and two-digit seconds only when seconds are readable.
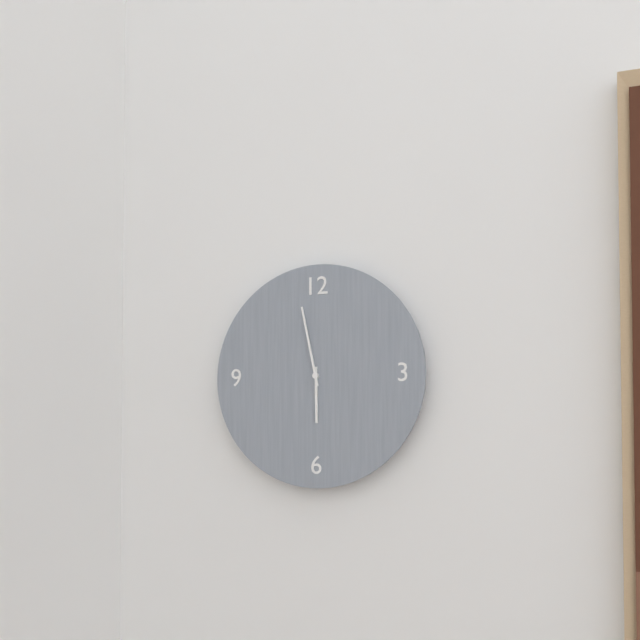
5.58
